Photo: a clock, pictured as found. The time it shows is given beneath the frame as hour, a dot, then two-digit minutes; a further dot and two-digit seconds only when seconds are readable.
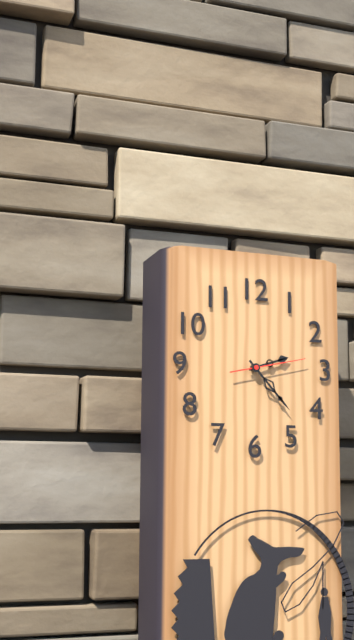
2.23.13
